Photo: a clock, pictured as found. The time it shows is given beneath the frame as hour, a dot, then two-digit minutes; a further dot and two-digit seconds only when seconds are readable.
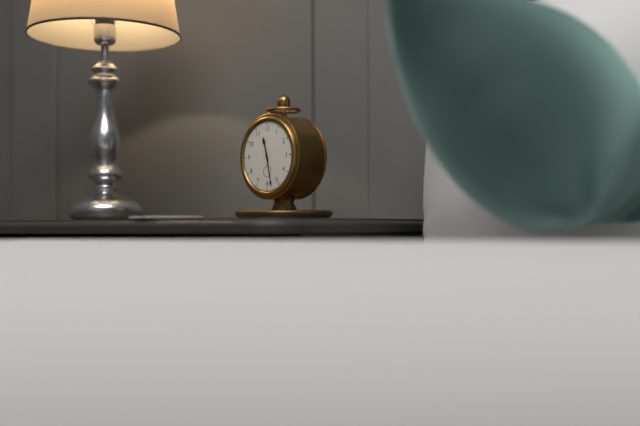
11.28
